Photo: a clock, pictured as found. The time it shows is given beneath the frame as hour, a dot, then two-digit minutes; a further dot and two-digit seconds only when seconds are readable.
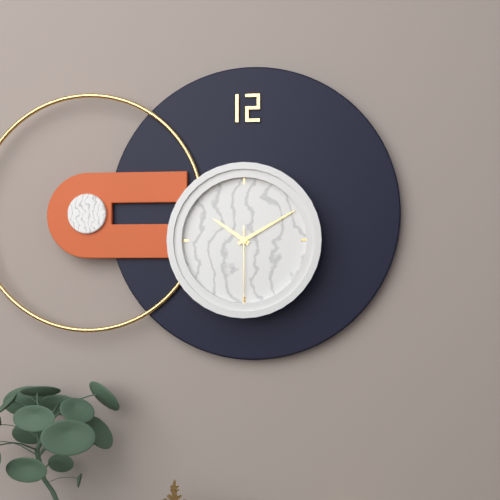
10.10.30
